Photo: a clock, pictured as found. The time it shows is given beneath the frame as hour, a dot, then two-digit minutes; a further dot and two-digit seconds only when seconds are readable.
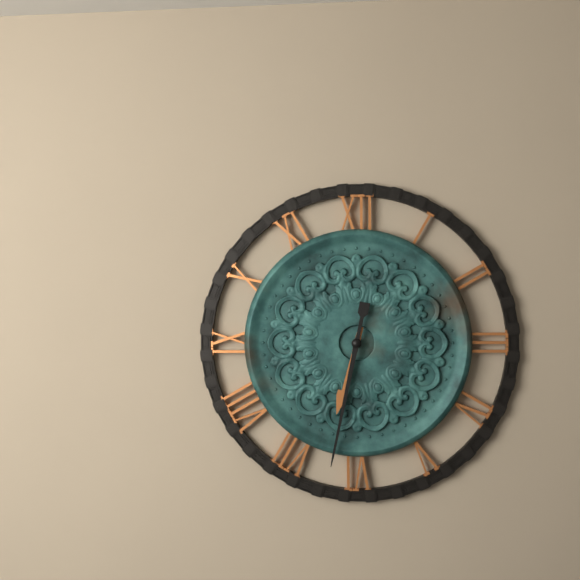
6.32
